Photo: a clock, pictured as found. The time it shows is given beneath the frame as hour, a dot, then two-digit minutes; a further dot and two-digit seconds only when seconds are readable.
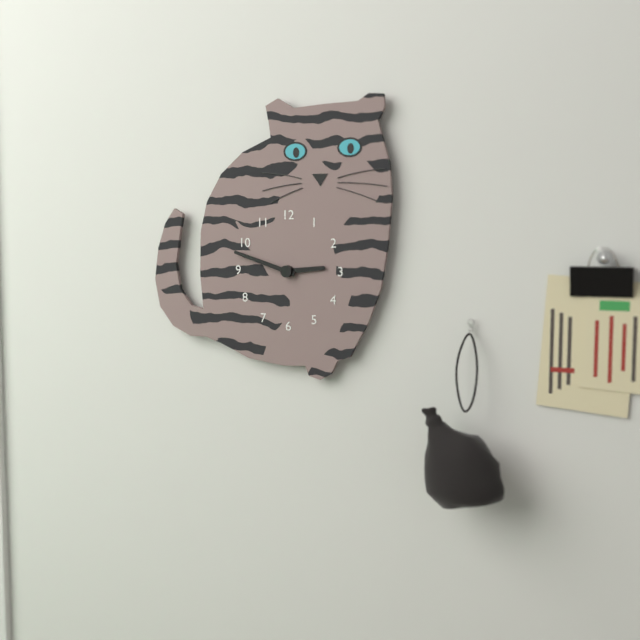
2.48
